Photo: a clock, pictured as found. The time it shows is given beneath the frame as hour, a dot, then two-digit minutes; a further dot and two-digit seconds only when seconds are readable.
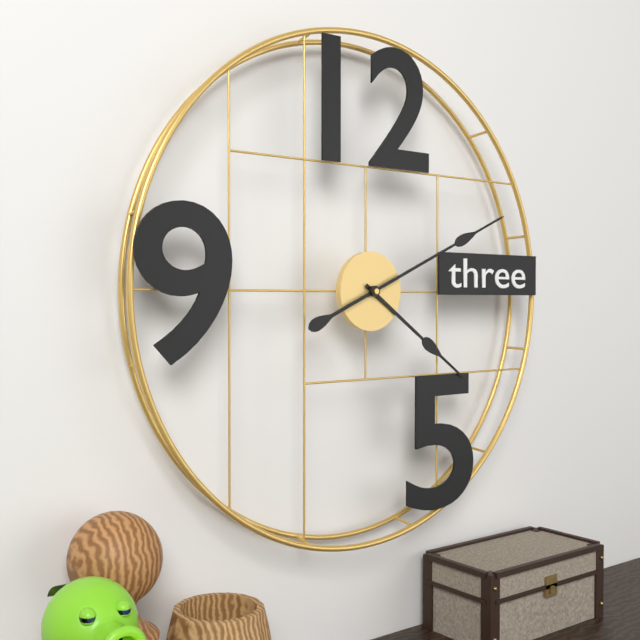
4.11
